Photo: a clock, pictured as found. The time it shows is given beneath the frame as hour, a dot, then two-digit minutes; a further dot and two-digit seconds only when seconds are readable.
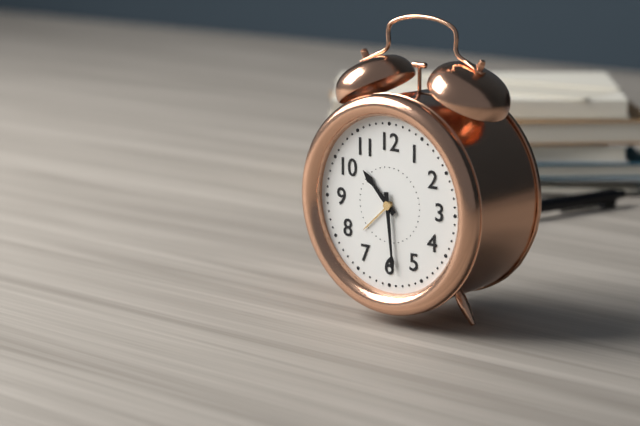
10.29
